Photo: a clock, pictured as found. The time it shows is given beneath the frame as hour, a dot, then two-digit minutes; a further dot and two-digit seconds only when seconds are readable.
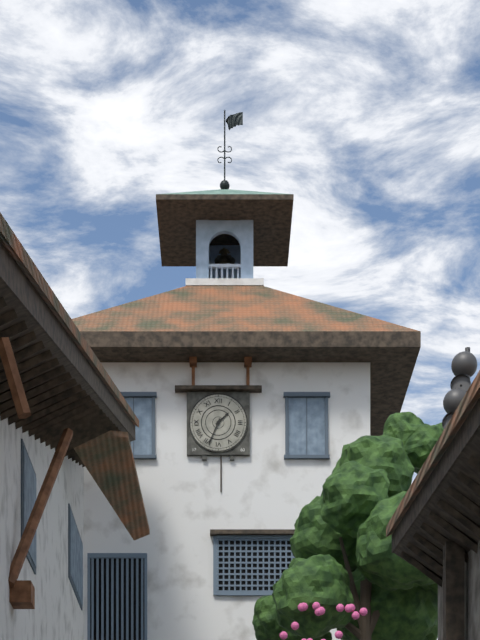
1.34
